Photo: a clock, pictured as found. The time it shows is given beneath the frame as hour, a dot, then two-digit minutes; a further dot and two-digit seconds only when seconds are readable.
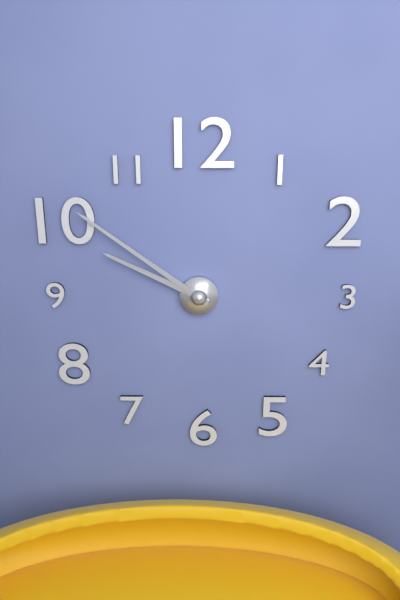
9.51
